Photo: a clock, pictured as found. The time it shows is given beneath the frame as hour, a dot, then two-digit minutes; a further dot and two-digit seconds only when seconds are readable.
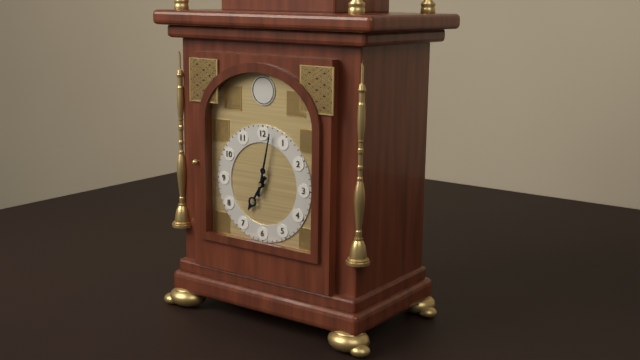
7.02
